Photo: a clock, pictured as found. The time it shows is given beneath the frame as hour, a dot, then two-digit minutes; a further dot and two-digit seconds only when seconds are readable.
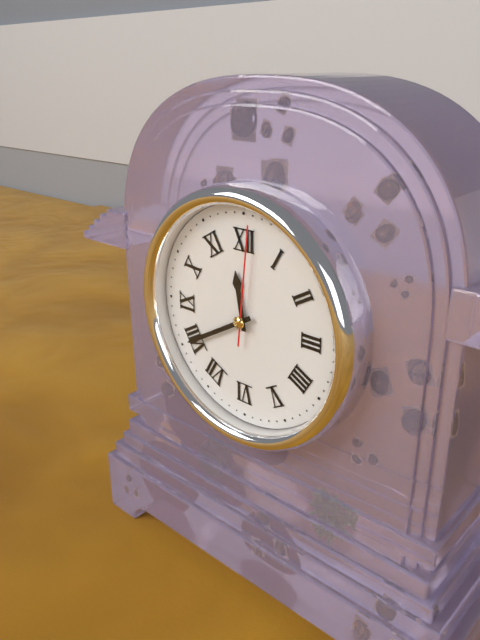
11.40.01
